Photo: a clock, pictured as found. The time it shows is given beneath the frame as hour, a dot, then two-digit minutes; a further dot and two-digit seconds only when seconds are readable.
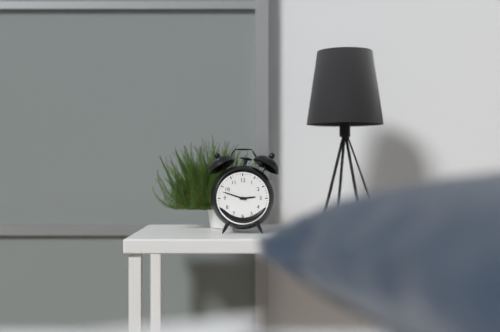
2.48
